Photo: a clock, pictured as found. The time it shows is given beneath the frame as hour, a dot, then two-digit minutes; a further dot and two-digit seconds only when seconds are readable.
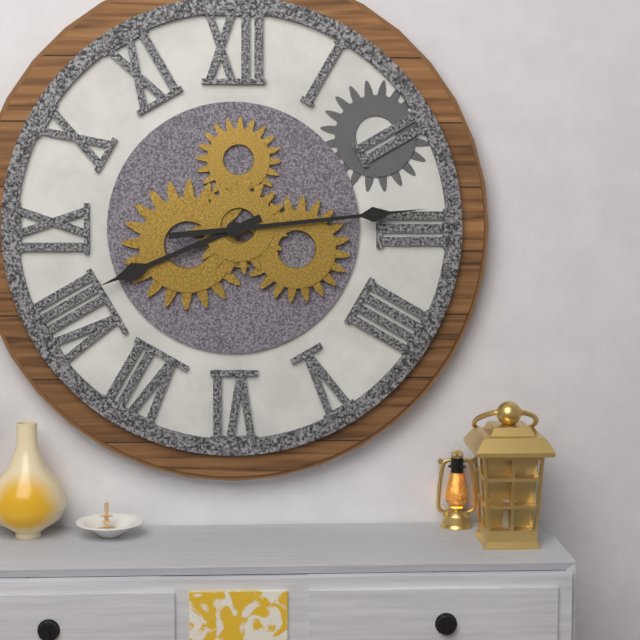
8.14
